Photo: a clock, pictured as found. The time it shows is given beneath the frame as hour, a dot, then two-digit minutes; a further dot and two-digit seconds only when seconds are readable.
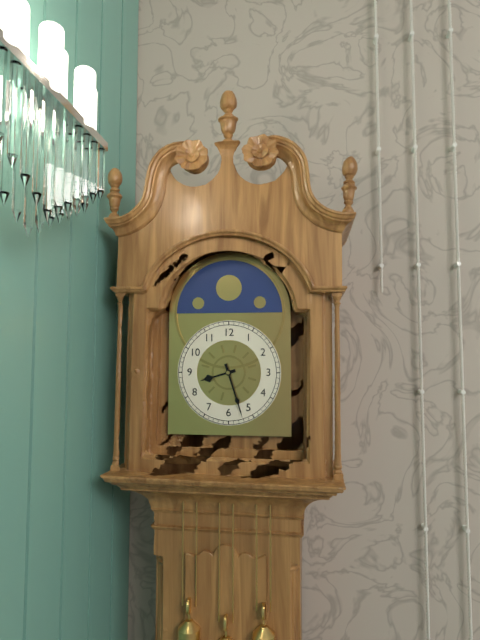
8.27
